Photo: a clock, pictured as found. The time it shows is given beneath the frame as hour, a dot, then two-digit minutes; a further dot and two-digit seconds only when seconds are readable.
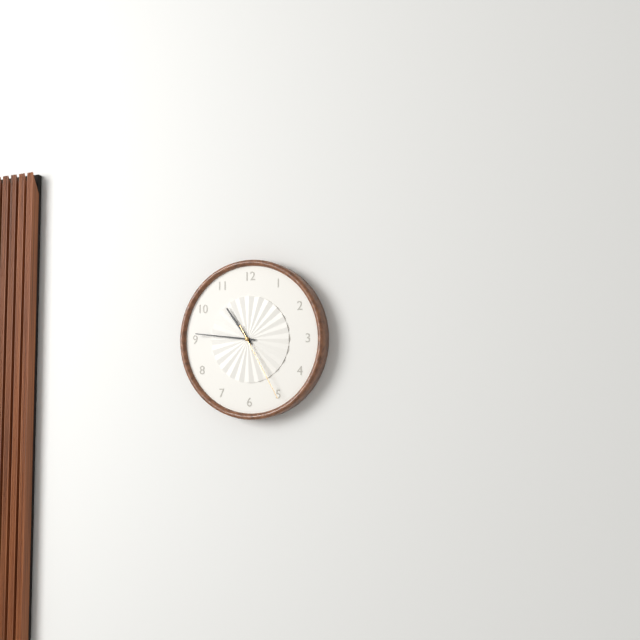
10.46.25
